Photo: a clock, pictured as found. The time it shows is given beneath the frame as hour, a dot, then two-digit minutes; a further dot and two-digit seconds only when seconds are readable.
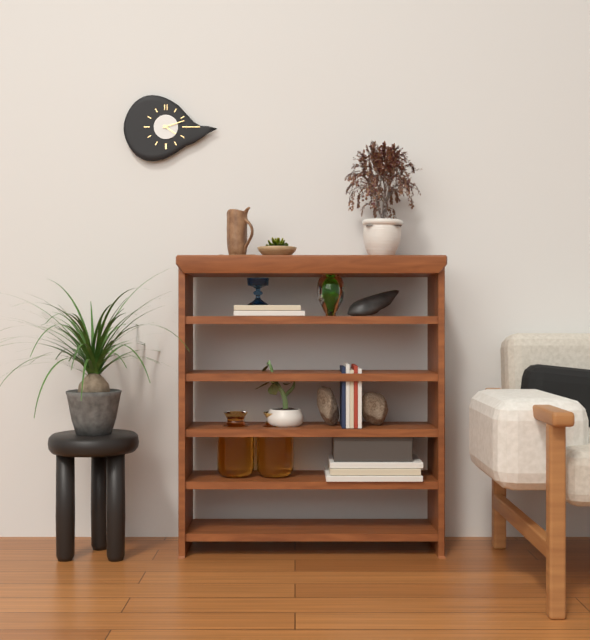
4.12
